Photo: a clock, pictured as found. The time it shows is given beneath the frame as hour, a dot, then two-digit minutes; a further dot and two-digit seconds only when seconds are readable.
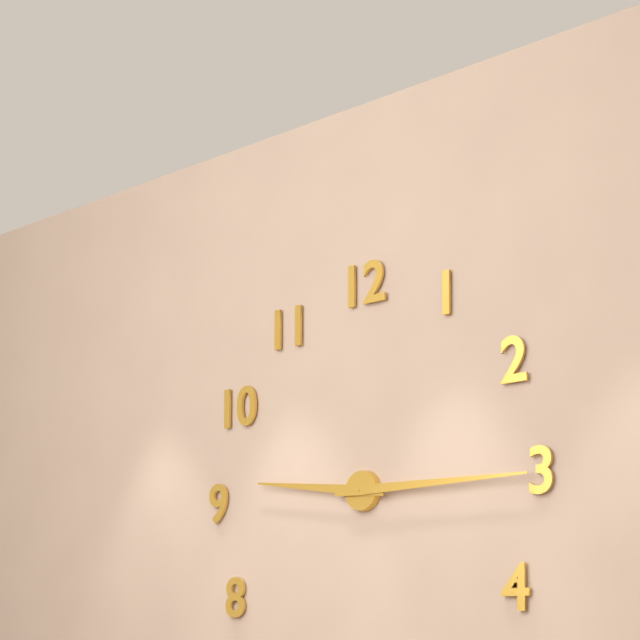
9.15
